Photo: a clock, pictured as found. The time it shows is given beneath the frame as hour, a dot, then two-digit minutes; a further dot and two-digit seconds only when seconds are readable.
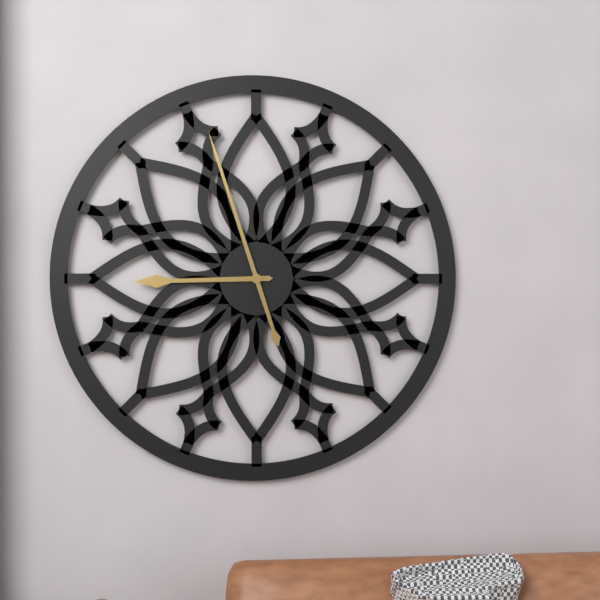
8.57
